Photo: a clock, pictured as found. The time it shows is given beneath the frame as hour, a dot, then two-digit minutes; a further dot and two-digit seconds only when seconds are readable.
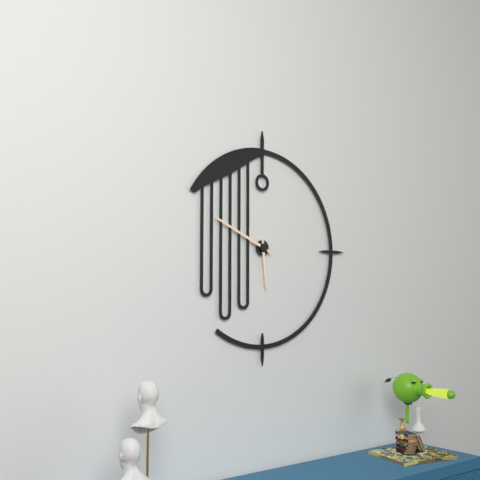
5.49
